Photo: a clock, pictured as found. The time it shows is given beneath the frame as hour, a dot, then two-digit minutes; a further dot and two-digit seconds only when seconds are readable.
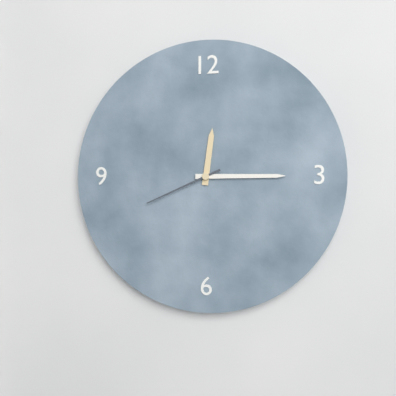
12.15.41
